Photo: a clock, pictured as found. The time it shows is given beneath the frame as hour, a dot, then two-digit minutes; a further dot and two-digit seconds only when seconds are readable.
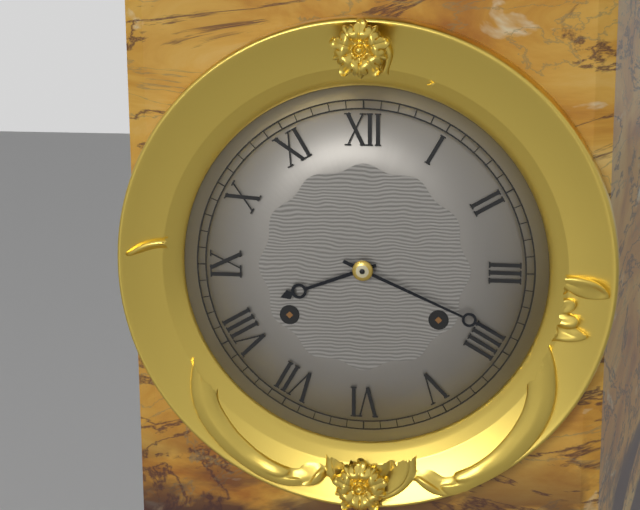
8.19
